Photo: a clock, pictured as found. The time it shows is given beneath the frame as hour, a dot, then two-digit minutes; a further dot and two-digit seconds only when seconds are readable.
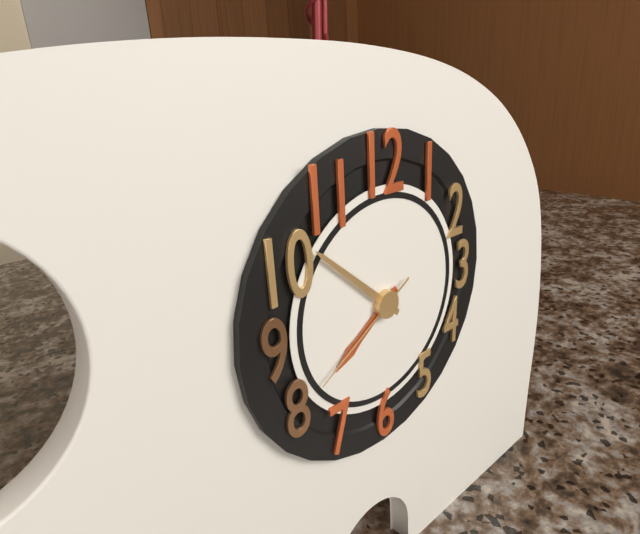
7.52.40
